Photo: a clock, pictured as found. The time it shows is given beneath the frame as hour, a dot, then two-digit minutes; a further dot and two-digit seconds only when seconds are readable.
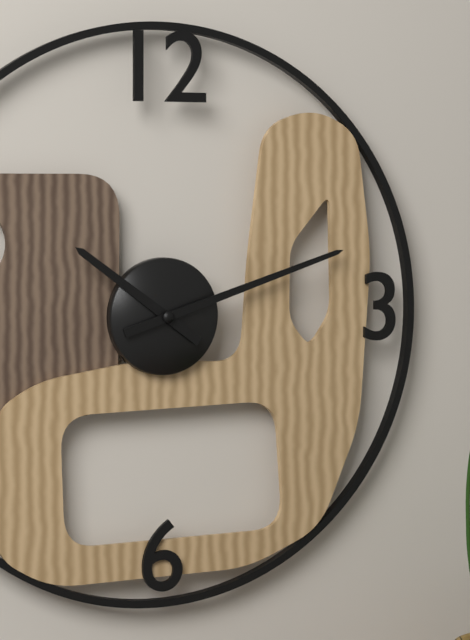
10.12
